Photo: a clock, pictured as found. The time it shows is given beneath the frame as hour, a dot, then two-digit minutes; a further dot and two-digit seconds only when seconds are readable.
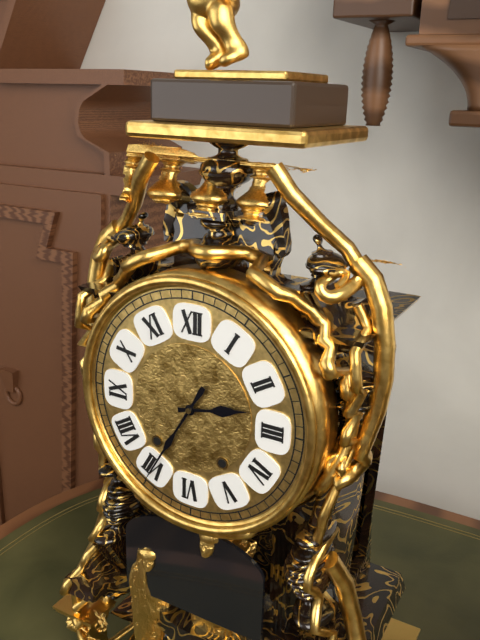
2.35
